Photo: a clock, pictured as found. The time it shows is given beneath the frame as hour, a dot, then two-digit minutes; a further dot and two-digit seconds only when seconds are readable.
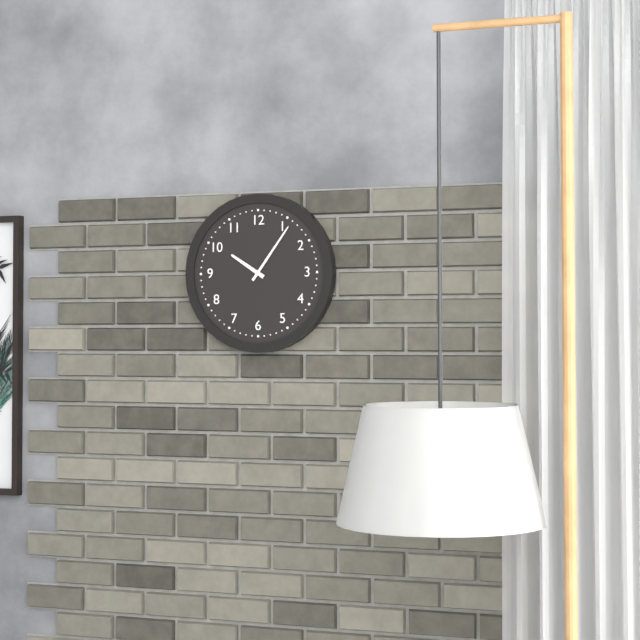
10.06
